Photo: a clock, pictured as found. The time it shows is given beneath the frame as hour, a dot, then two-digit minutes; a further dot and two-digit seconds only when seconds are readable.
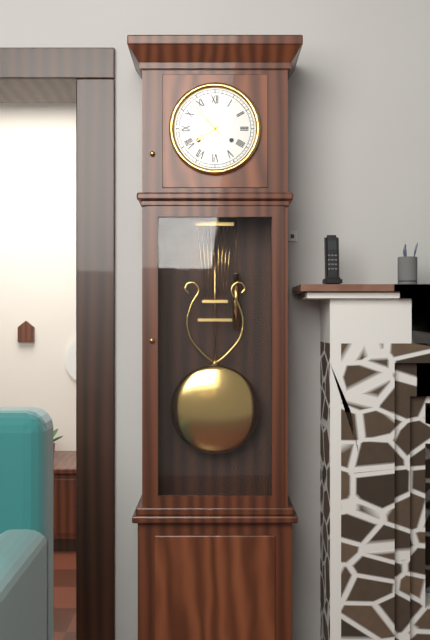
7.53
